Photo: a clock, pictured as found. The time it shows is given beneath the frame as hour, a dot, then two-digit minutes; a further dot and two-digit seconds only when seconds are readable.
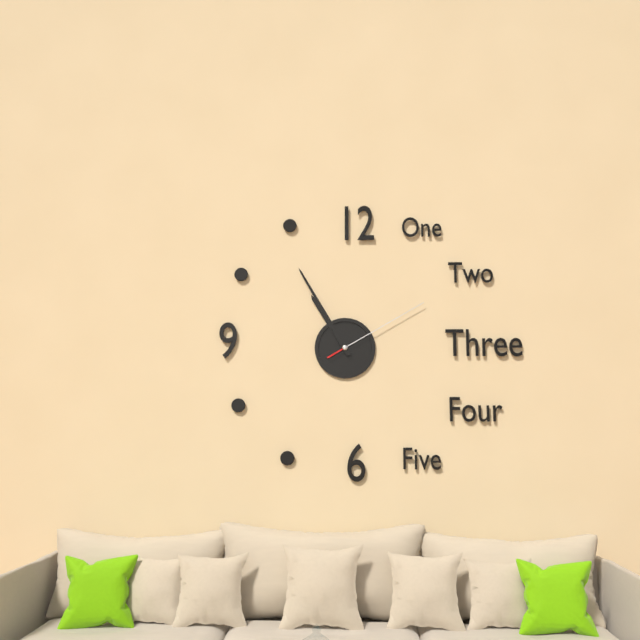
10.55.10
